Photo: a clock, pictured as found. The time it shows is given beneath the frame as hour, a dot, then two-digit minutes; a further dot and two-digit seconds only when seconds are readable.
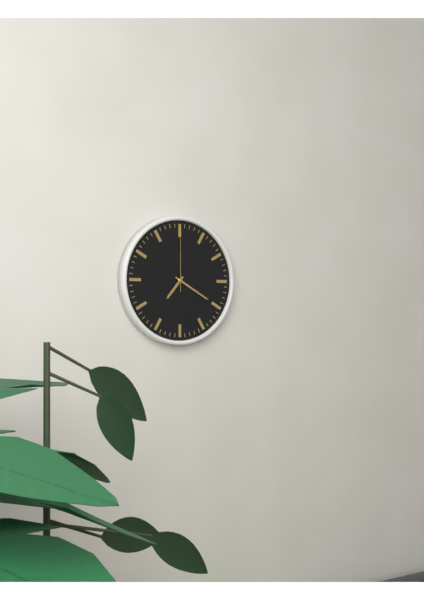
7.20.00
